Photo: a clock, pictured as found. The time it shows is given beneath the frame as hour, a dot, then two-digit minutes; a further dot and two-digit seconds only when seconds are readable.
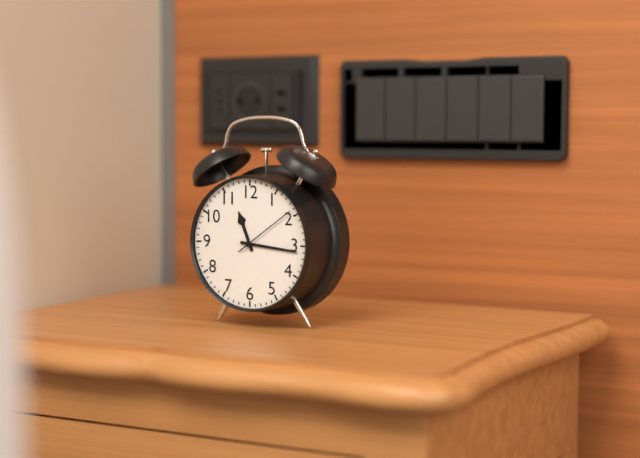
11.16.09
